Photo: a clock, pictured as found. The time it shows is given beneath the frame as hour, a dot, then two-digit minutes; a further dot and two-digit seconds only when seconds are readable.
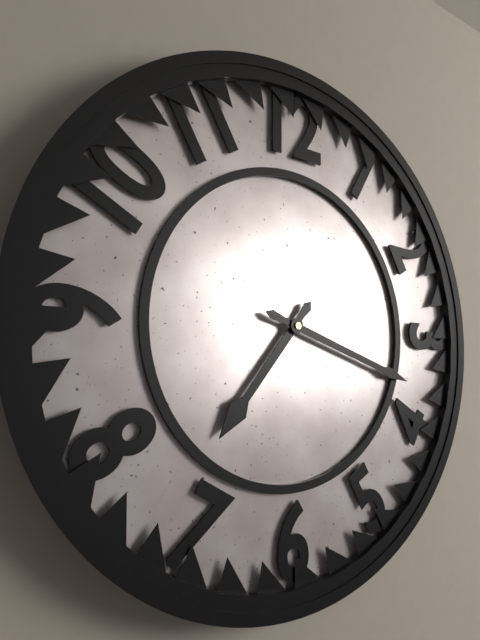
7.18
